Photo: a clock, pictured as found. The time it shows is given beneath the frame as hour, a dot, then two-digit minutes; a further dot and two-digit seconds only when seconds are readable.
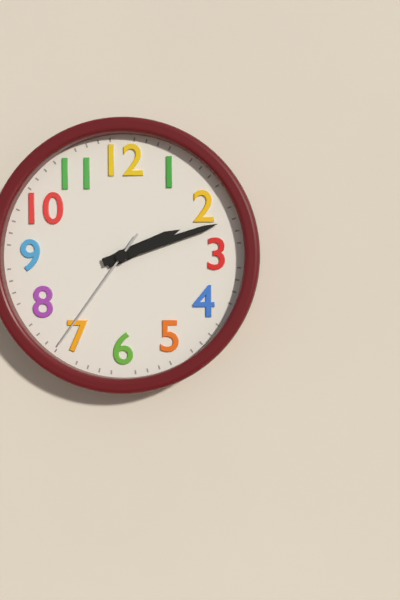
2.12.36
